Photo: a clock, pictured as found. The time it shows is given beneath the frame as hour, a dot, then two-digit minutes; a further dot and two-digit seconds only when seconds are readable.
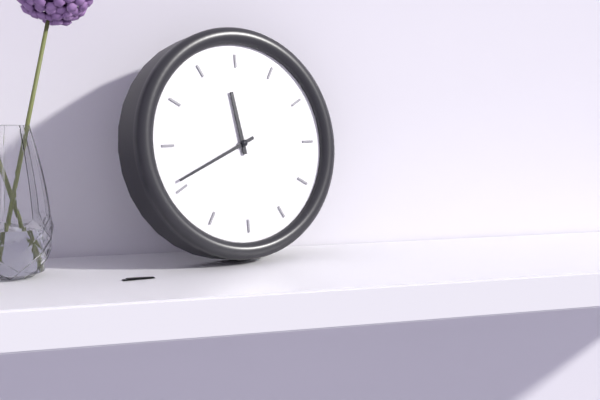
11.41
